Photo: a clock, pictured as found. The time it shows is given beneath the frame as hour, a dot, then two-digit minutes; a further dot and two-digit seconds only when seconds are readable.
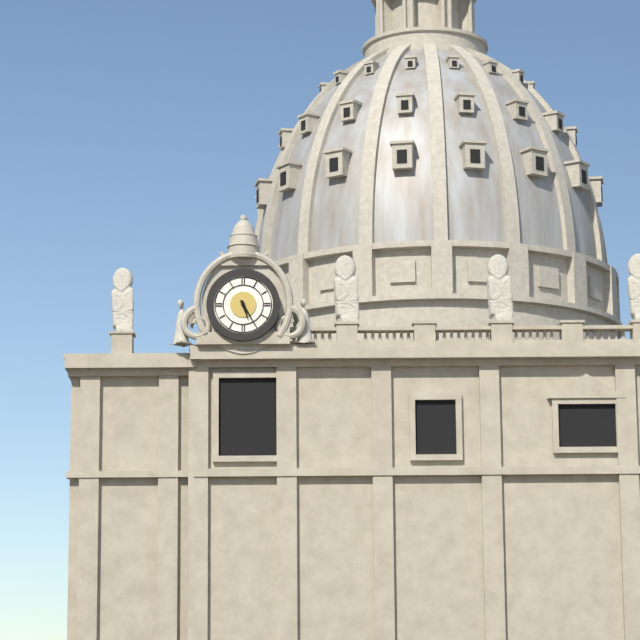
5.25
